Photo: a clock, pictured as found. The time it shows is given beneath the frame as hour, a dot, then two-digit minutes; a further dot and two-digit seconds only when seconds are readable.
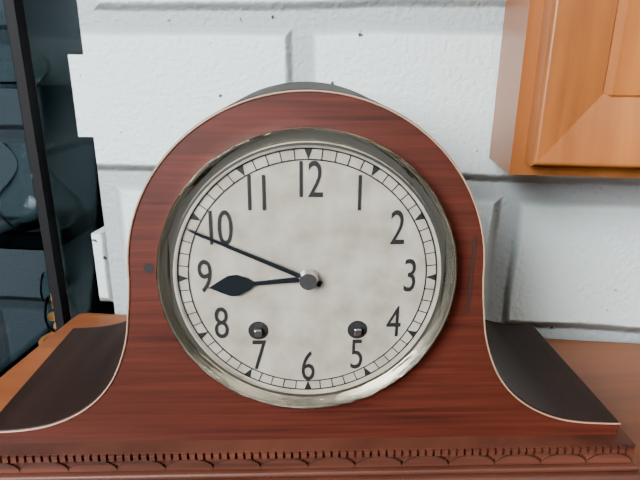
8.49
